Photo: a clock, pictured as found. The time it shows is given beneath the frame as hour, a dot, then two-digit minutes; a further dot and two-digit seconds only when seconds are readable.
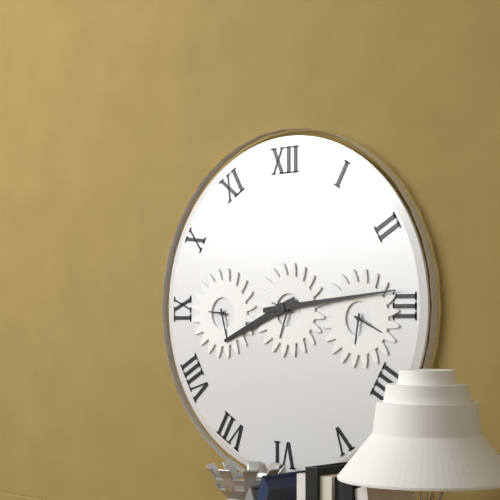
8.14
